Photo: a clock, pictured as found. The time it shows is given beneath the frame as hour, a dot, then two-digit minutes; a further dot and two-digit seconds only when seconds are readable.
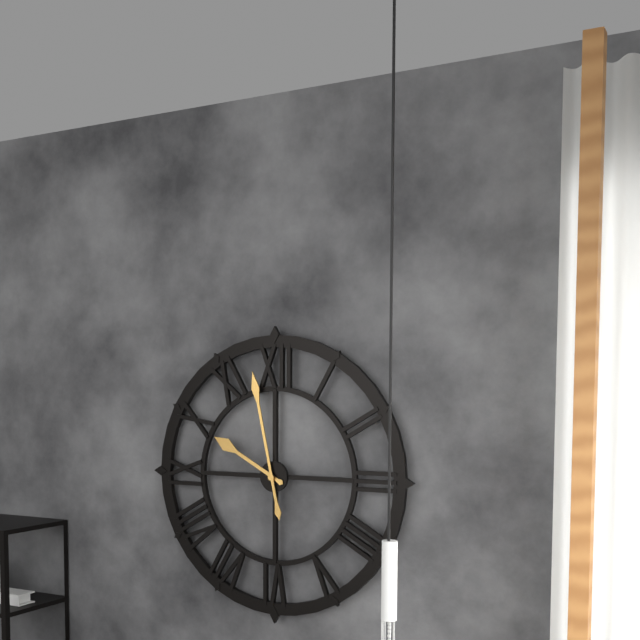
9.58
